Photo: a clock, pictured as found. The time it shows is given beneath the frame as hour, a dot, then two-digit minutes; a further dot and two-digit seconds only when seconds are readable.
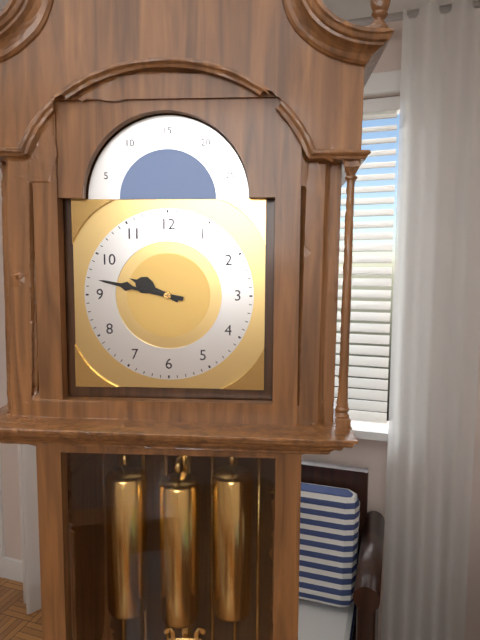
9.47
